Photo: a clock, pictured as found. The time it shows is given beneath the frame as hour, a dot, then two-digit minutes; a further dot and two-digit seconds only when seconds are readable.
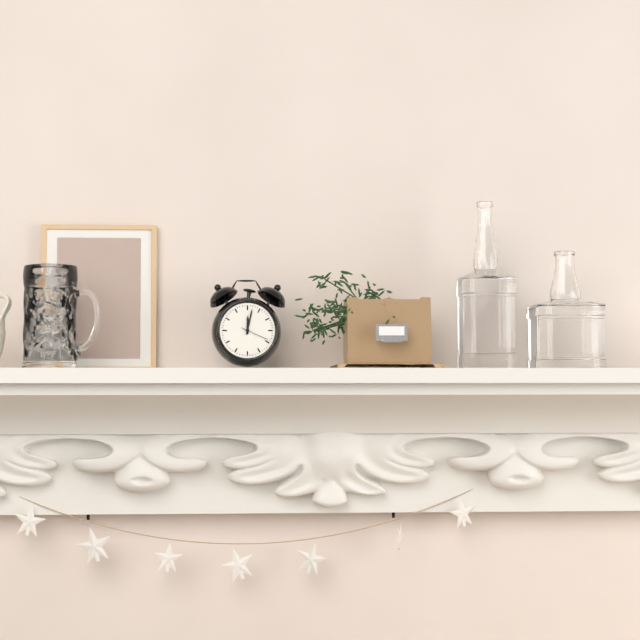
12.02
